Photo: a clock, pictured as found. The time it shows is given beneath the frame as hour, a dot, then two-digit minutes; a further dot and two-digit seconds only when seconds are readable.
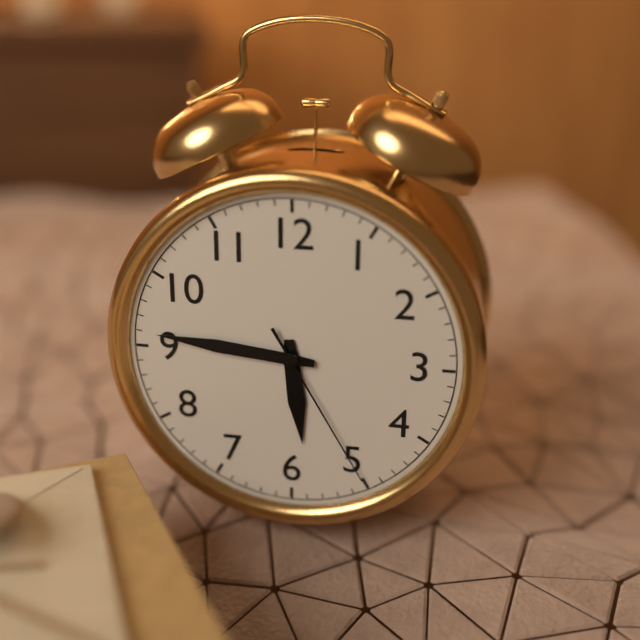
5.46.25
